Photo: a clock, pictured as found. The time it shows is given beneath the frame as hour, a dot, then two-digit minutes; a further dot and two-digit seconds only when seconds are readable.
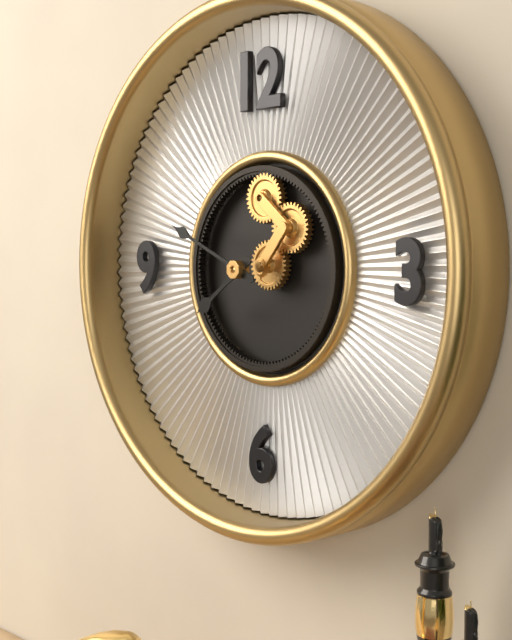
7.49
